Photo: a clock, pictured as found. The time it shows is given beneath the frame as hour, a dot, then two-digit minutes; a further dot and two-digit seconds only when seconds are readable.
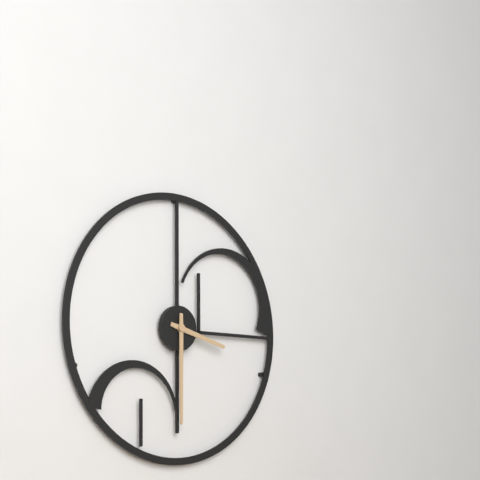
3.30
